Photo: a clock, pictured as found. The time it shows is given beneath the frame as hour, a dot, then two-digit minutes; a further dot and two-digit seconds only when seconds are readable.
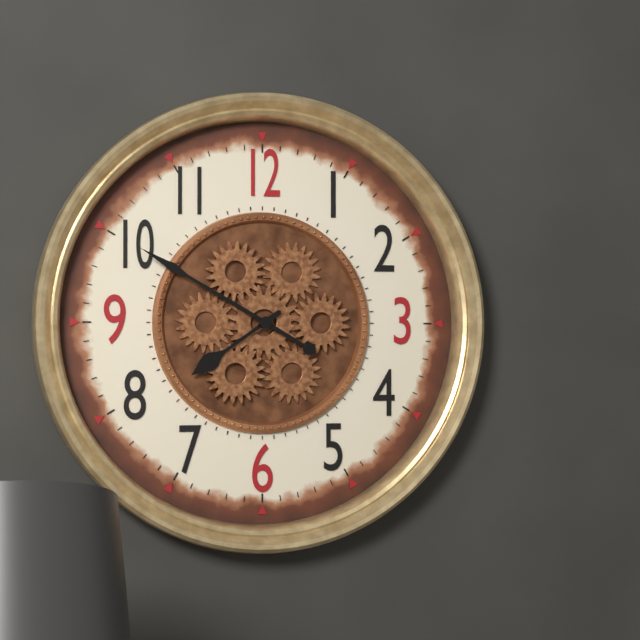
7.50
